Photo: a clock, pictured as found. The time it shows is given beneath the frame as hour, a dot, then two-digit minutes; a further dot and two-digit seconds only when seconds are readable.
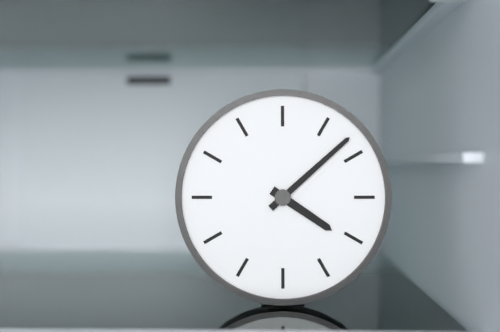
4.08
